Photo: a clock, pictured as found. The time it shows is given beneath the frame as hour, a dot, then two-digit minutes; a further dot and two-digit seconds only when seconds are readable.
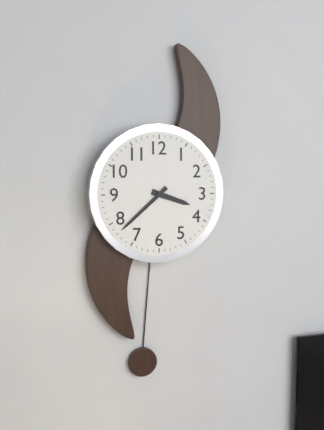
3.38
